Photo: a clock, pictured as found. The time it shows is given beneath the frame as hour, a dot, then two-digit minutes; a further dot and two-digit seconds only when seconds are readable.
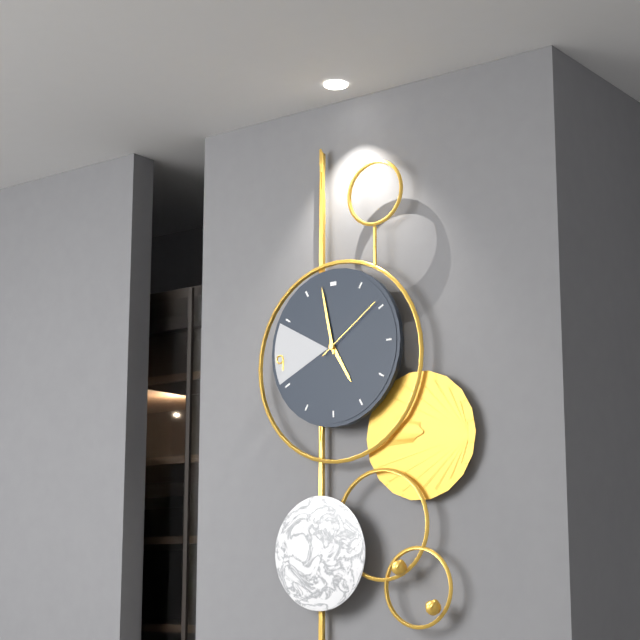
4.58.09
